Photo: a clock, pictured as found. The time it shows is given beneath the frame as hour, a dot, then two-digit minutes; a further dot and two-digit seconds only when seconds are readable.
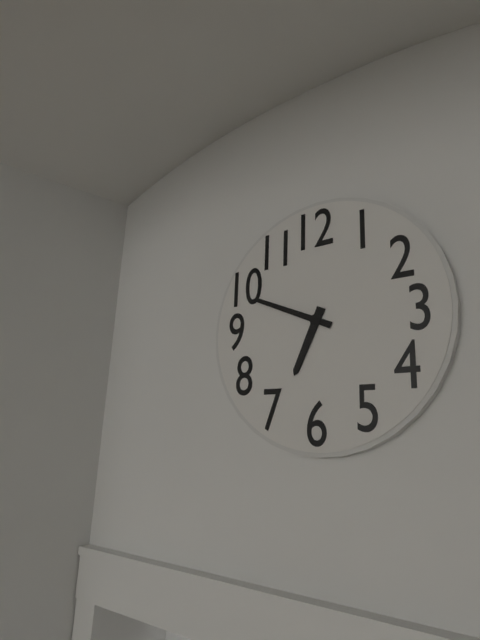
6.49
